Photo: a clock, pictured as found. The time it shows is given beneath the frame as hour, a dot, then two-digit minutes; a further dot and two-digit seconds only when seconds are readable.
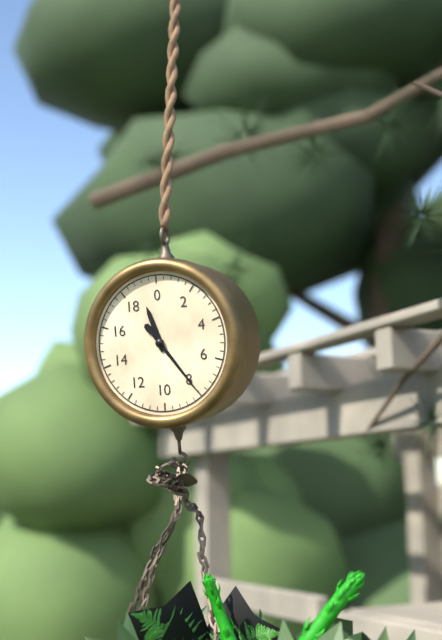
11.24
